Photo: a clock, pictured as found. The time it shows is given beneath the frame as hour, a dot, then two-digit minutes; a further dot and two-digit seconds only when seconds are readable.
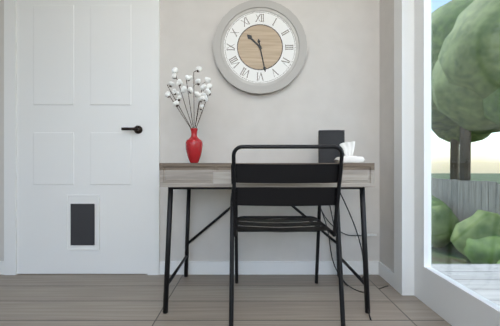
10.28
